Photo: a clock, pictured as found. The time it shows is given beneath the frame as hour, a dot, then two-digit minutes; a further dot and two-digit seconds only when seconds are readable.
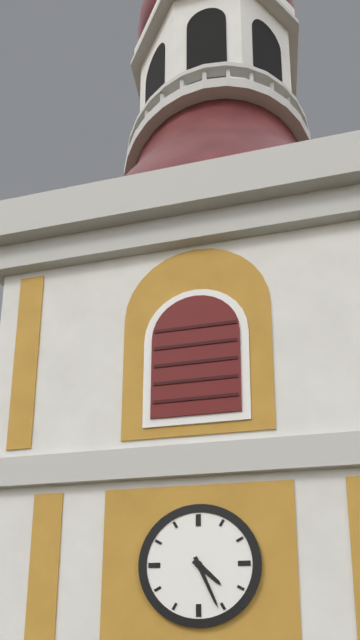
4.26
